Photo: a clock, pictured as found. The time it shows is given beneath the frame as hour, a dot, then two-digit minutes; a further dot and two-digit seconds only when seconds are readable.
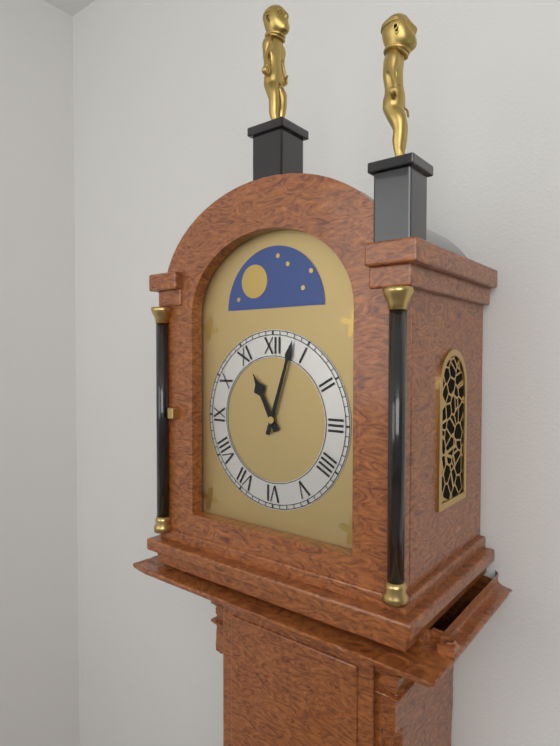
11.03
